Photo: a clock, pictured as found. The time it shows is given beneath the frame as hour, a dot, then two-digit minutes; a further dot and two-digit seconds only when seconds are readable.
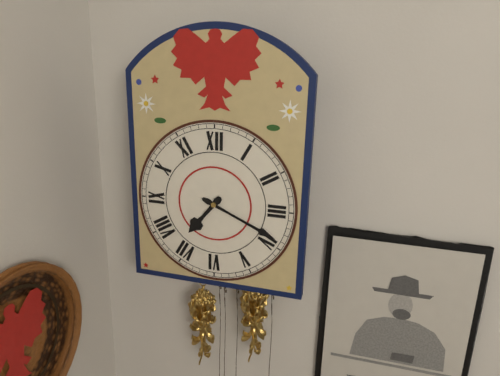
7.19
